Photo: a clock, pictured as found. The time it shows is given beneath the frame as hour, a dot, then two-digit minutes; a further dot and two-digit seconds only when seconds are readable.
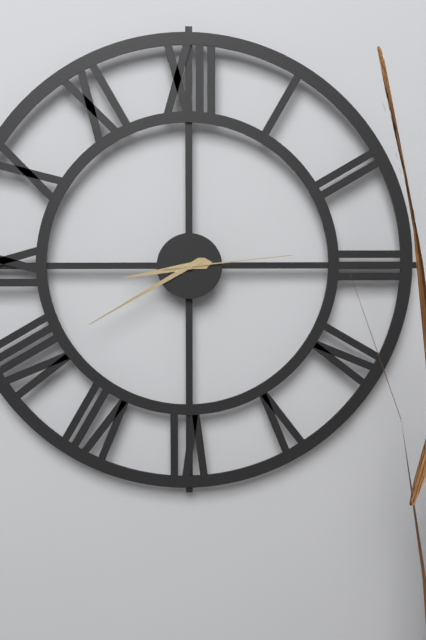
8.40.14
